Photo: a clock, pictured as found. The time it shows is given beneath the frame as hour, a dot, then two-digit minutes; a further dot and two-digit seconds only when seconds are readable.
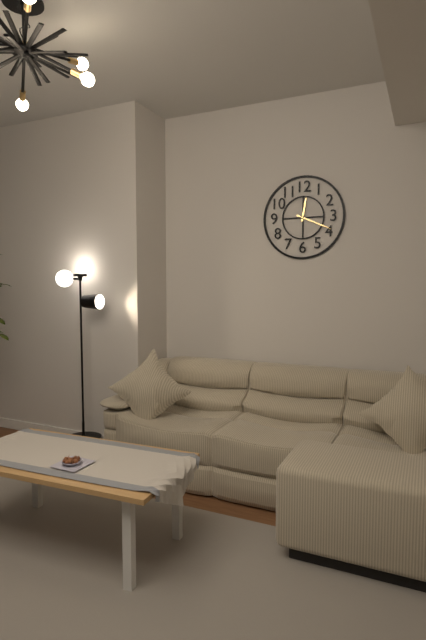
12.19
